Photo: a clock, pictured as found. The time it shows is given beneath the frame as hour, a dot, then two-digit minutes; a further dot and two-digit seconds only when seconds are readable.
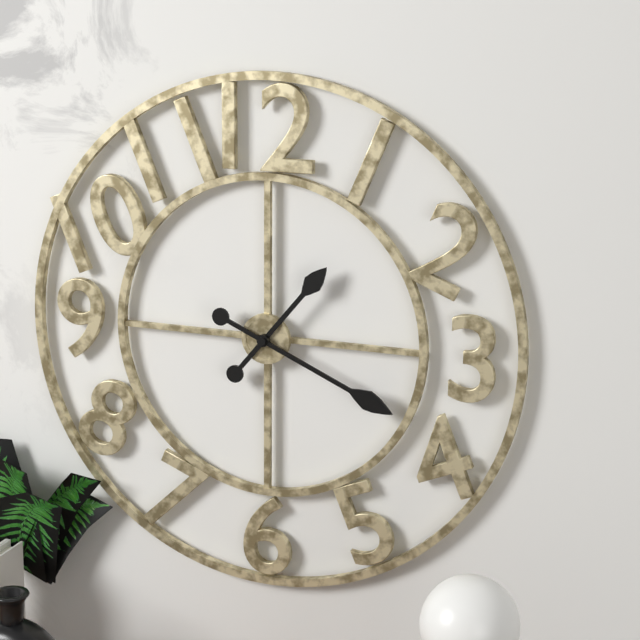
1.19
